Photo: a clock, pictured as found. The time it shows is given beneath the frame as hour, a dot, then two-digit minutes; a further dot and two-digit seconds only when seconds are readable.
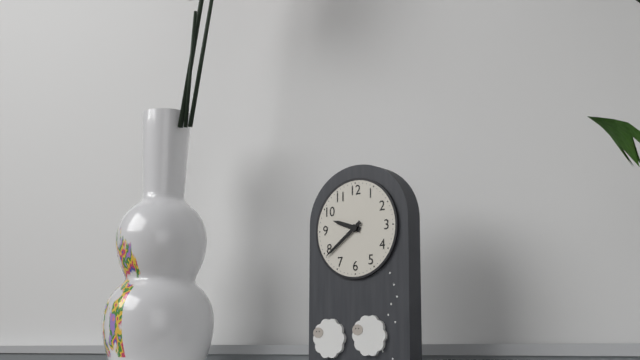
9.39
